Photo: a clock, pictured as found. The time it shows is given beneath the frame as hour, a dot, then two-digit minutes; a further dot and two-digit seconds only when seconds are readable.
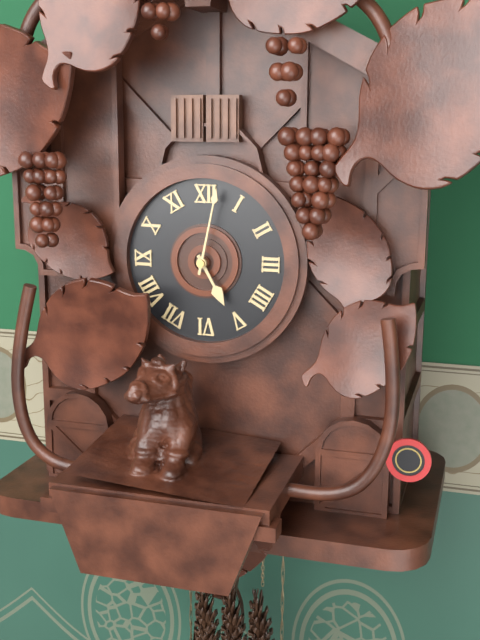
5.02
